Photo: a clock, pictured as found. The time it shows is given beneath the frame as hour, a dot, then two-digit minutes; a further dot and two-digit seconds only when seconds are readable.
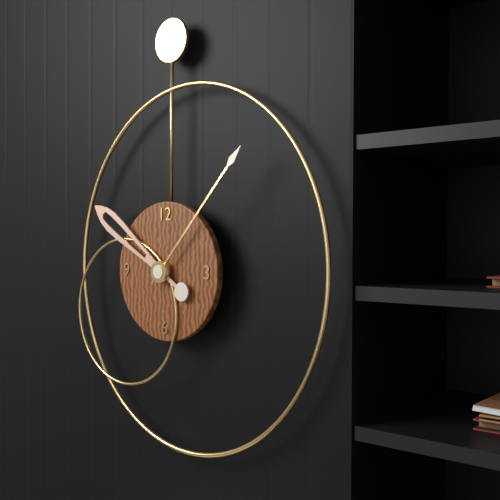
10.07
